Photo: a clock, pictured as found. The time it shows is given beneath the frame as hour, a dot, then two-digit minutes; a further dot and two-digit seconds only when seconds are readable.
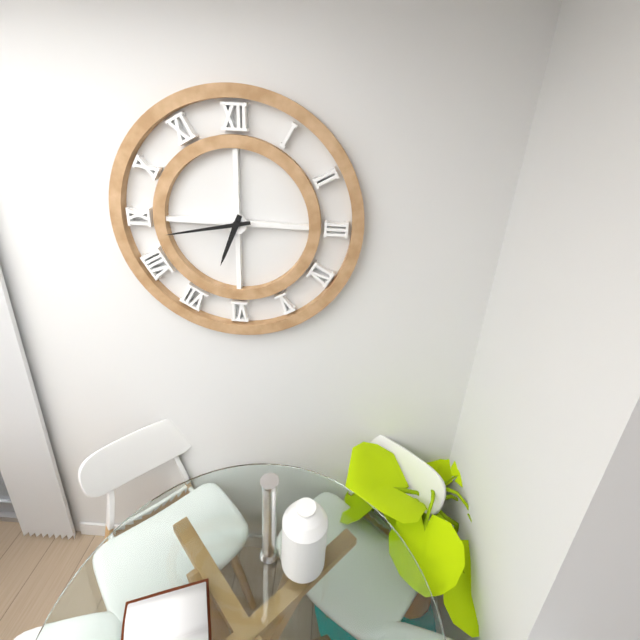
6.43
